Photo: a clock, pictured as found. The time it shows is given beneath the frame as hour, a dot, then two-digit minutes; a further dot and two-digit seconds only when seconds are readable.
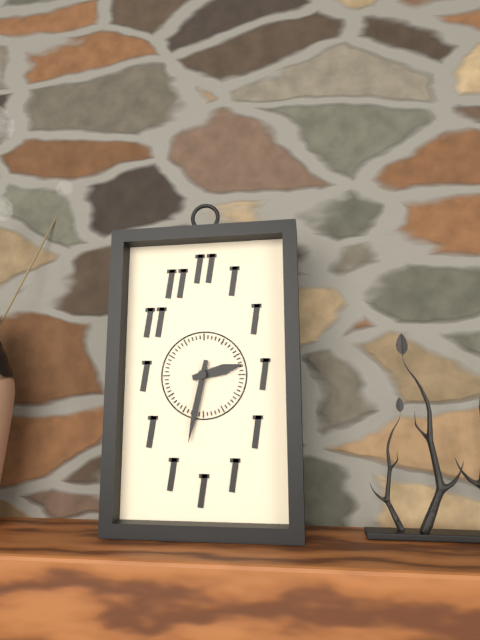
2.32
